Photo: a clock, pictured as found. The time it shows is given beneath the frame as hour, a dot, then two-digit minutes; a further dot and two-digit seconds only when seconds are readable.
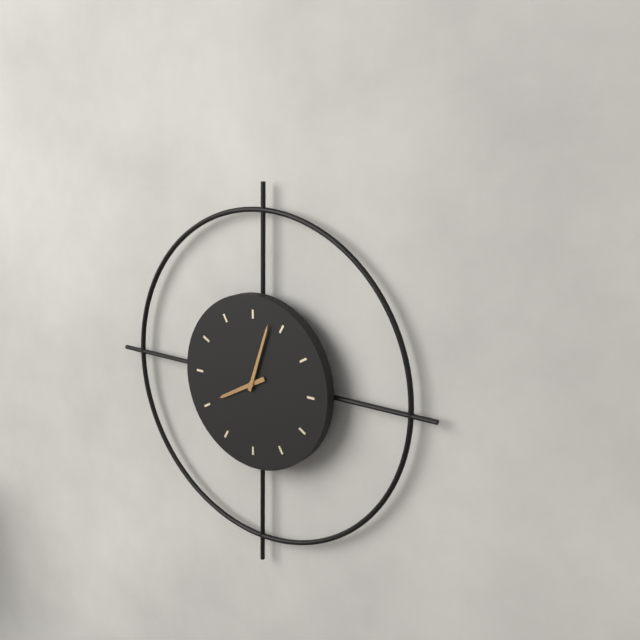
8.03
